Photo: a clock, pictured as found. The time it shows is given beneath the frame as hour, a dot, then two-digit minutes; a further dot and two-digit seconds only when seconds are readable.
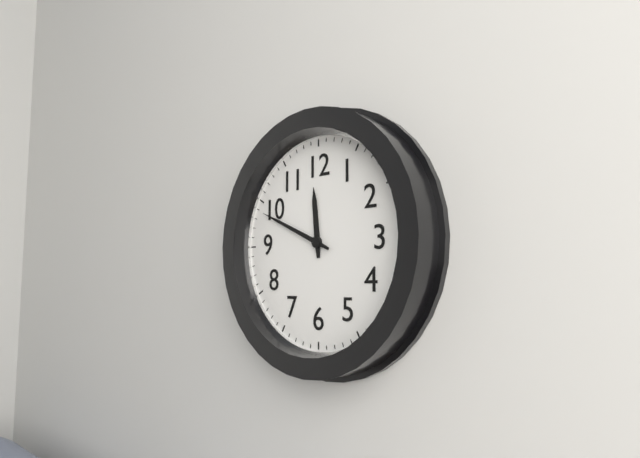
11.49
